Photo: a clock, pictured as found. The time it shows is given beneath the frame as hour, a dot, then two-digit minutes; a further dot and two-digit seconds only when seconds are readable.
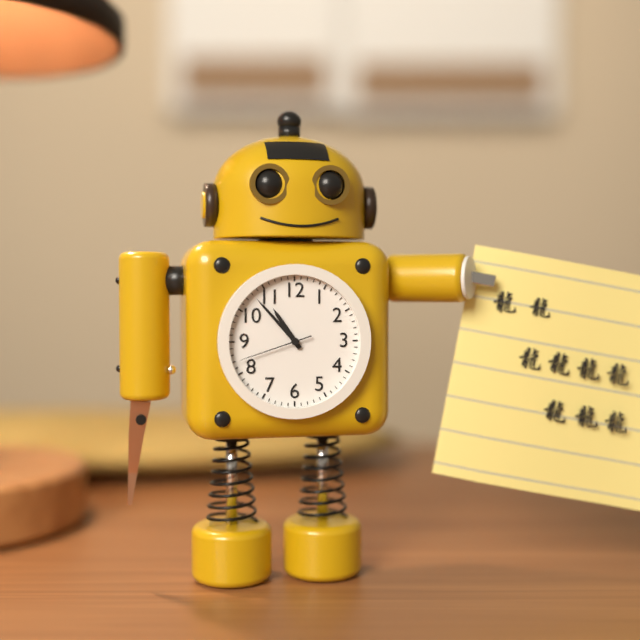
10.53.42
